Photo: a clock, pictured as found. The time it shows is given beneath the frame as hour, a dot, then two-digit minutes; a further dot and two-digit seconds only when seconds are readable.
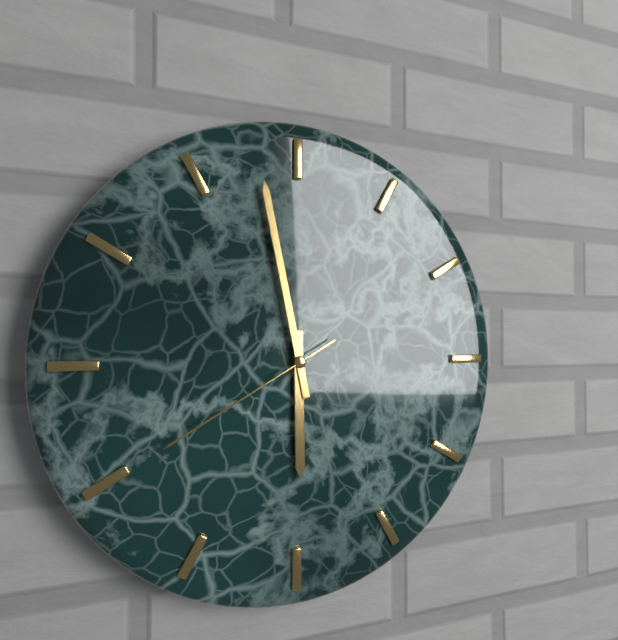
5.58.40
